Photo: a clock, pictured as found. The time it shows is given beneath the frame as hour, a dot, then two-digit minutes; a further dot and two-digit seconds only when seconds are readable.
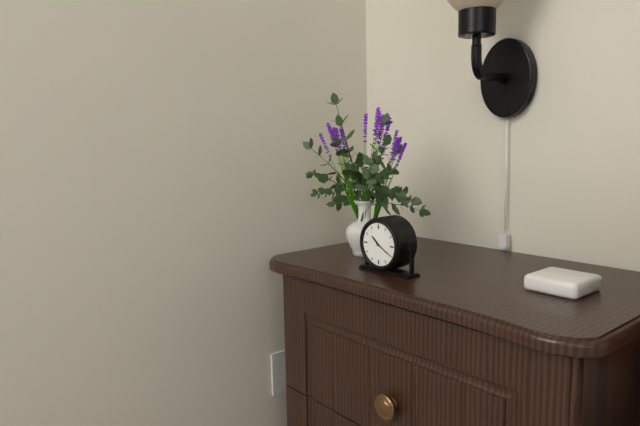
10.20
